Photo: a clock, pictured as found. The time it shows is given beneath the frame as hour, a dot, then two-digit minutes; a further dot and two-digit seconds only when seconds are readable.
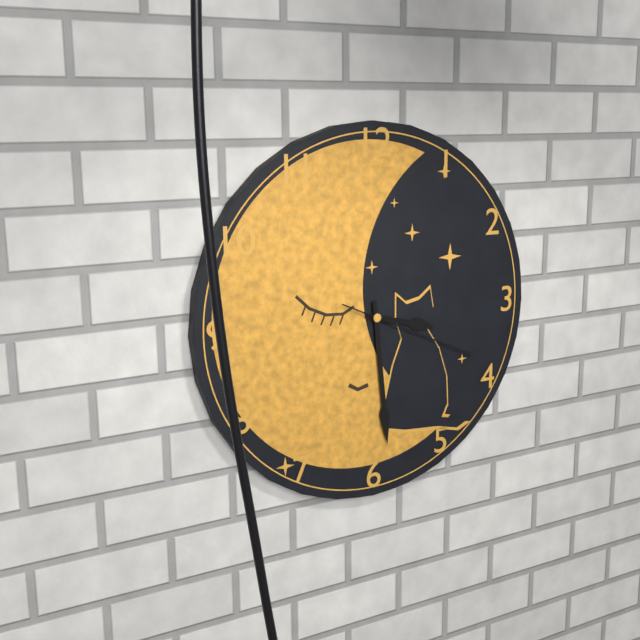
3.29.19
